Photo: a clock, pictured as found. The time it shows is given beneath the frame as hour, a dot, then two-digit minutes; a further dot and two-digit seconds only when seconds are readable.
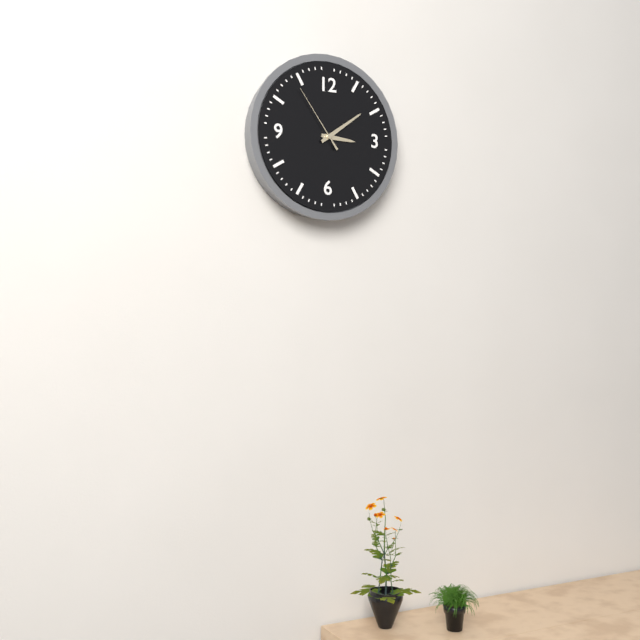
3.09.54
